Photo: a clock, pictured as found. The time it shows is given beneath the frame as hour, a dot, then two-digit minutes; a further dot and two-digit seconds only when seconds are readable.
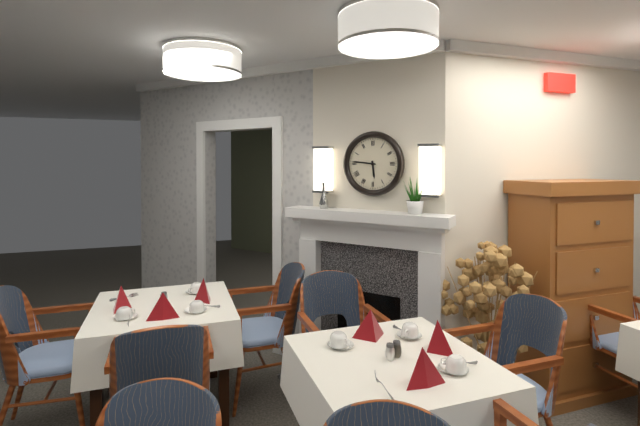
5.46
